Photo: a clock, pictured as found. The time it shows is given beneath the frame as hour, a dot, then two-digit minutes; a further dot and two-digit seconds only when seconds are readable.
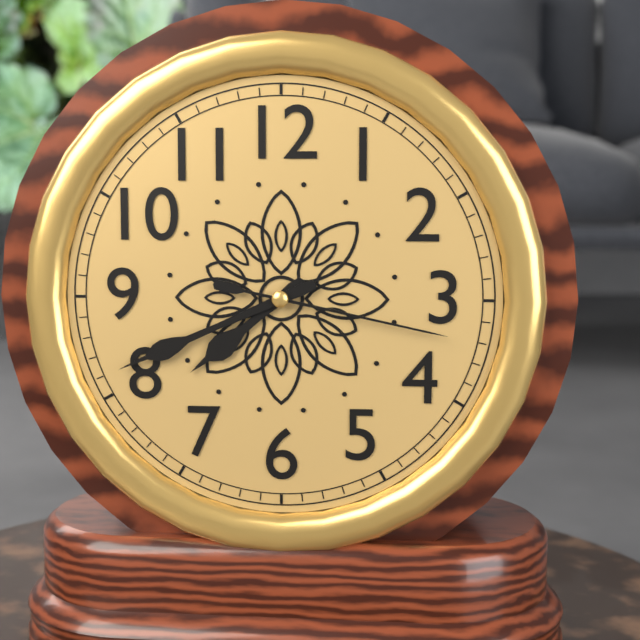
7.41.17
